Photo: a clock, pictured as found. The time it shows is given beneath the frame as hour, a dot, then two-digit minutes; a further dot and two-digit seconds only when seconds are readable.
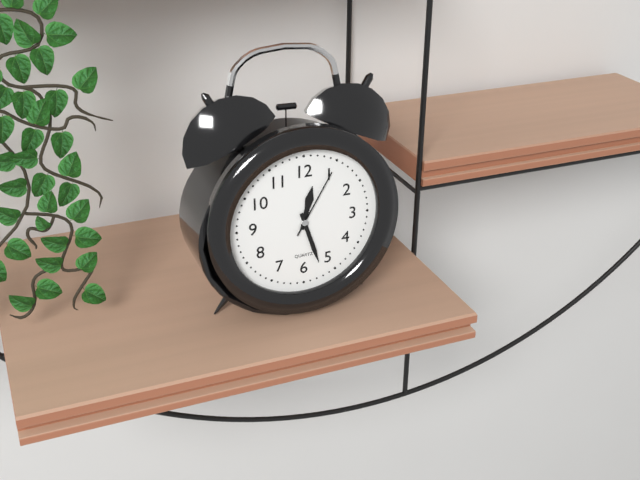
12.27.05
